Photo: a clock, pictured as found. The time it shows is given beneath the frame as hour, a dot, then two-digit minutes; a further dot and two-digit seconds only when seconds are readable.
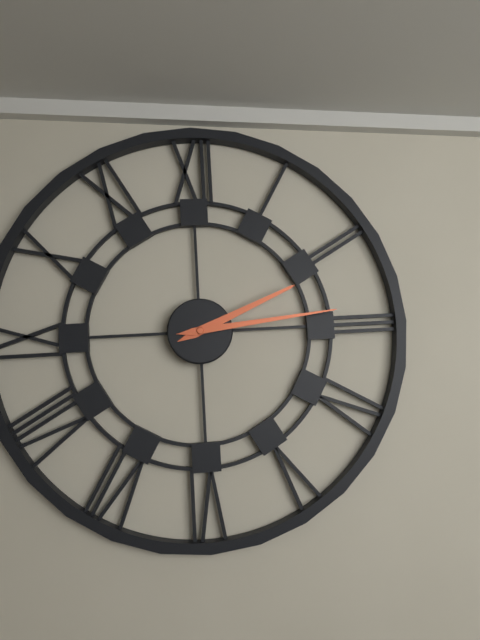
2.14
